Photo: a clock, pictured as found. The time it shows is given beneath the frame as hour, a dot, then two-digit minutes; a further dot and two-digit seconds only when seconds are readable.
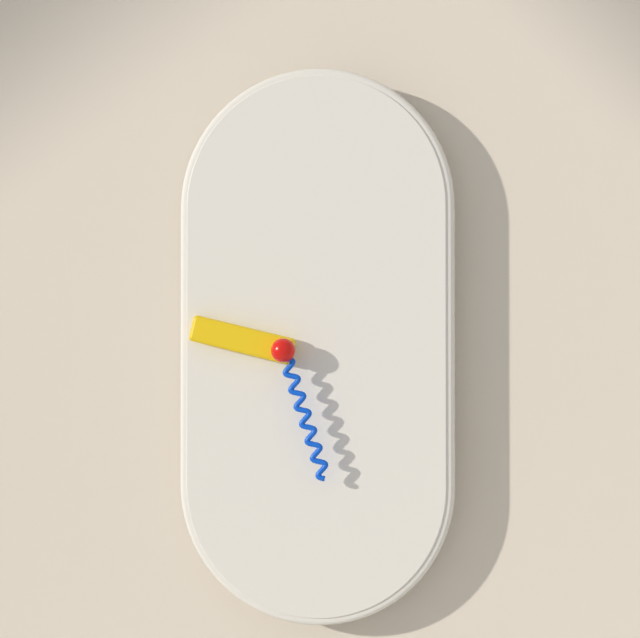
9.27
